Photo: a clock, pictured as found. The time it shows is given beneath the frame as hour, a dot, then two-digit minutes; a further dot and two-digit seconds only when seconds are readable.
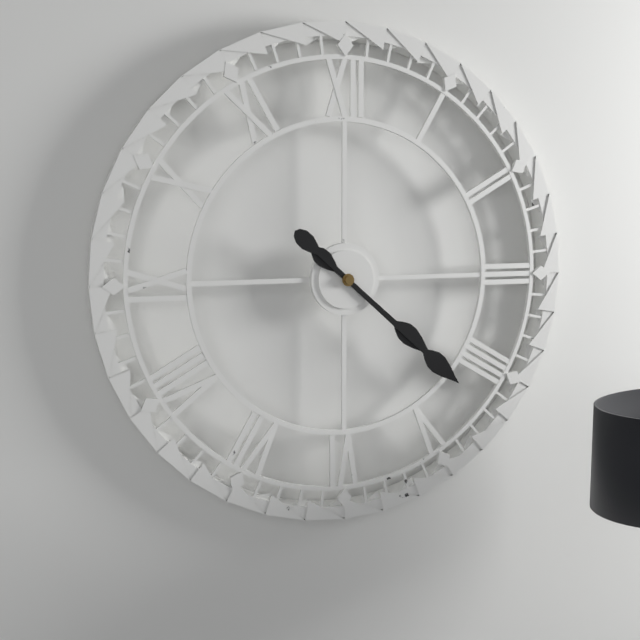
4.22
